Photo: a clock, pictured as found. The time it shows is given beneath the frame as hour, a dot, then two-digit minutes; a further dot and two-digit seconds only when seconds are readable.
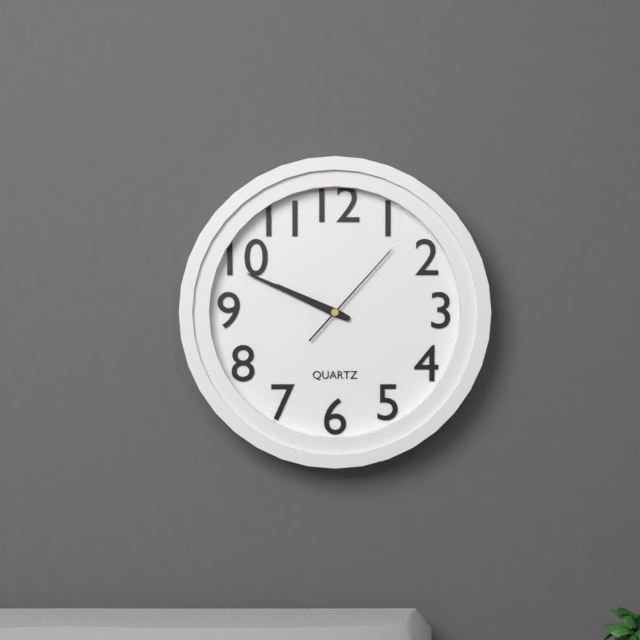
9.49.07
